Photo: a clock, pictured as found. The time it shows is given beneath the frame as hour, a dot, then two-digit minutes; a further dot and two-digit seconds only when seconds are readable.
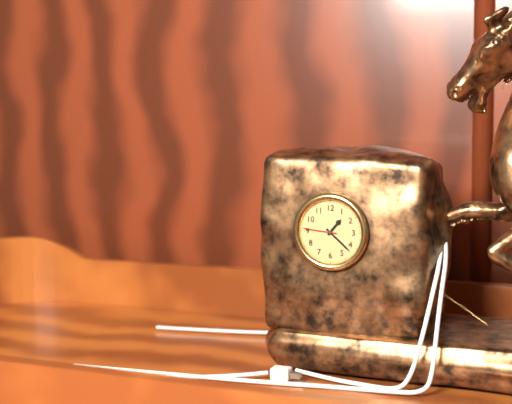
1.22
